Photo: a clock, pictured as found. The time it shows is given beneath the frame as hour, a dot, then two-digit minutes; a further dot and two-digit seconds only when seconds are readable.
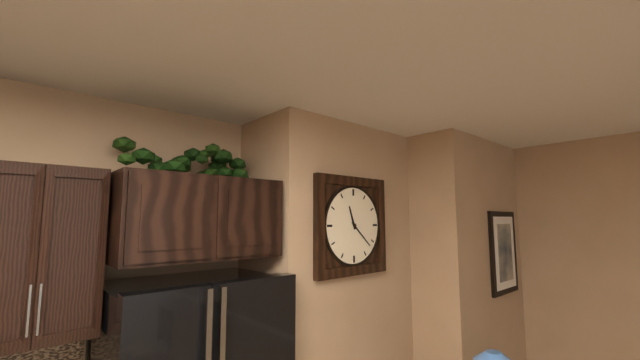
11.22
